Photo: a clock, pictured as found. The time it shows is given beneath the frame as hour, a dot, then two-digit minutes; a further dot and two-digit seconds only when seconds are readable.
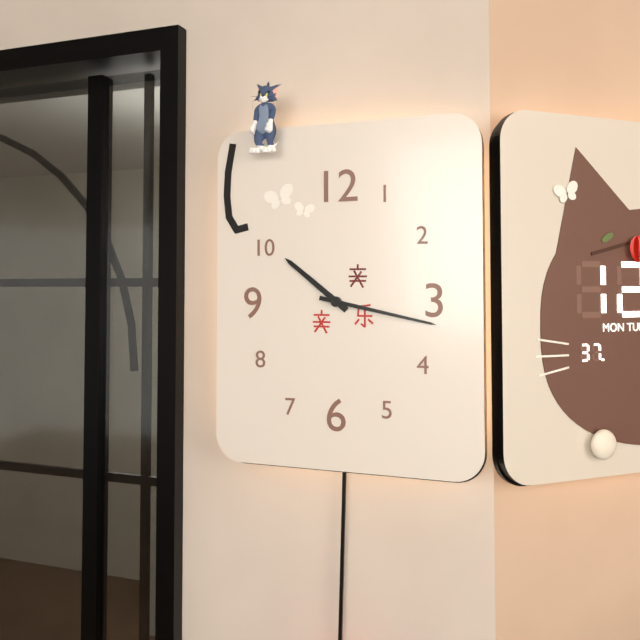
10.17
